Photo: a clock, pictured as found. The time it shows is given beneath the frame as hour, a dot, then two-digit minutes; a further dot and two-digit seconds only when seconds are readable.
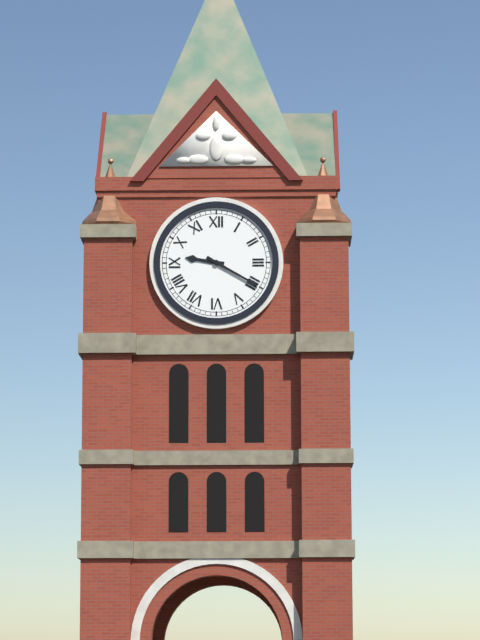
9.20
